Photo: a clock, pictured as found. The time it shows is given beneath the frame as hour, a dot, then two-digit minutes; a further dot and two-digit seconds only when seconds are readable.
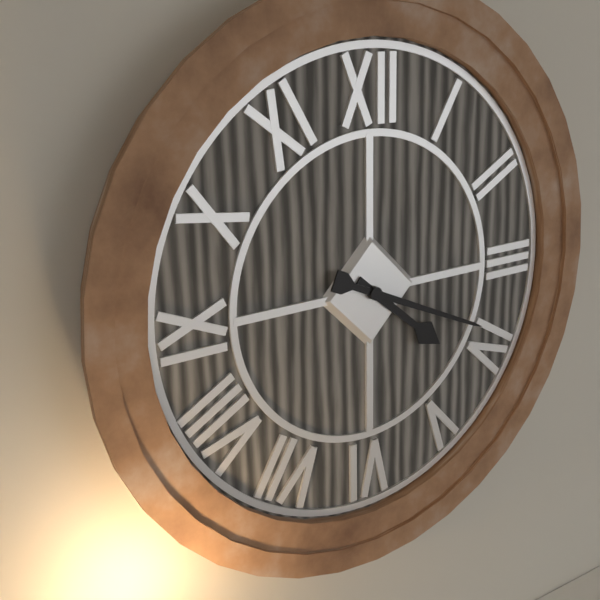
4.19
